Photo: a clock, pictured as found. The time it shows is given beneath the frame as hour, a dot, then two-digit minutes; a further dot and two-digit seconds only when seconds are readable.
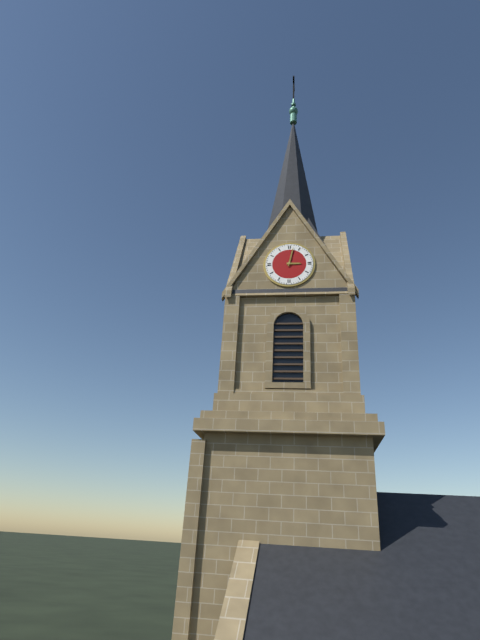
3.02
